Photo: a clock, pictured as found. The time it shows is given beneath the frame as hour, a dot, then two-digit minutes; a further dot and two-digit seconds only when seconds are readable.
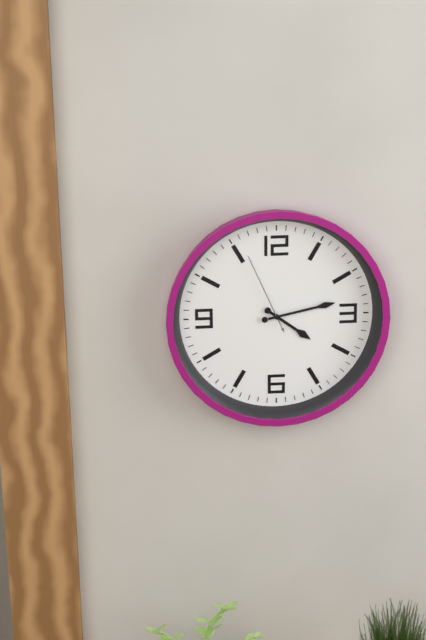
4.13.56
